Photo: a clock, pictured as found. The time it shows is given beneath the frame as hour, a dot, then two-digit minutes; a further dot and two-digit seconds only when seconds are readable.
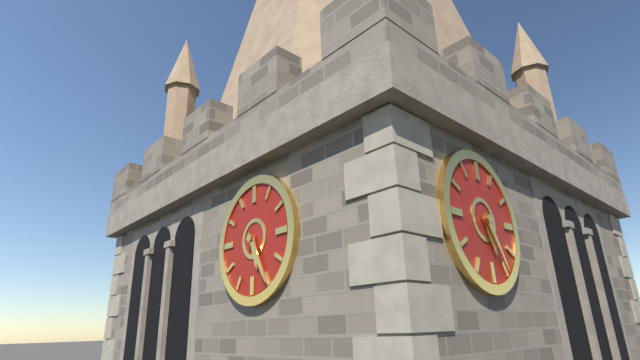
5.25
